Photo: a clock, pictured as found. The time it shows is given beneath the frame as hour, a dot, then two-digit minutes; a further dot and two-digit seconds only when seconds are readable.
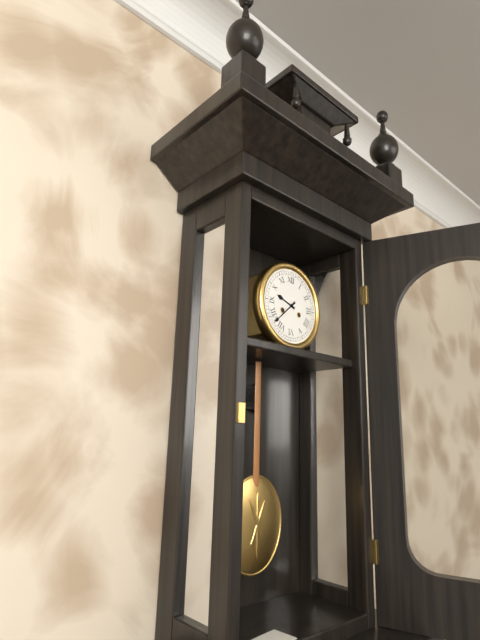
9.38
